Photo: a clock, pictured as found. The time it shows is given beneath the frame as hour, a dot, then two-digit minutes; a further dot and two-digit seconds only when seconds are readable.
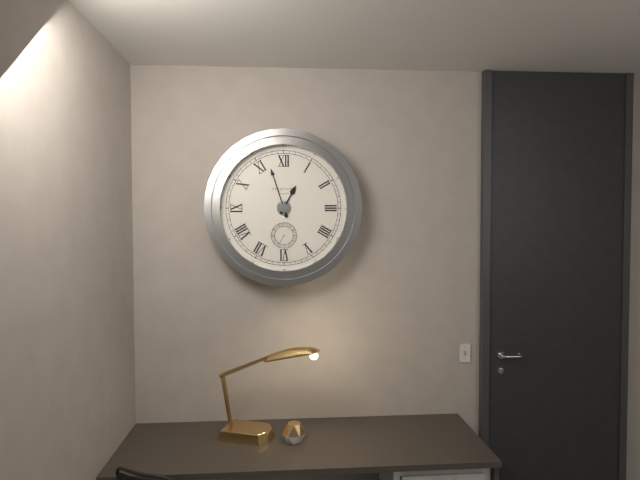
12.57
